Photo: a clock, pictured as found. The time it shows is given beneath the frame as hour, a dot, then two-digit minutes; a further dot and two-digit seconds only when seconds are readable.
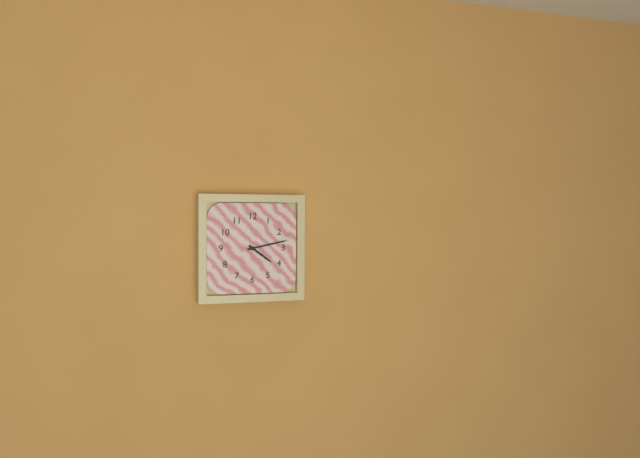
4.13
